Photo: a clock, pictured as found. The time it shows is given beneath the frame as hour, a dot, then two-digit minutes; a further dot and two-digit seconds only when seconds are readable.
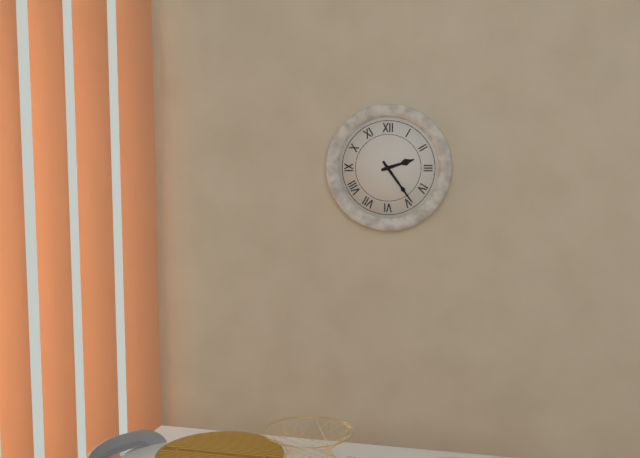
2.24
